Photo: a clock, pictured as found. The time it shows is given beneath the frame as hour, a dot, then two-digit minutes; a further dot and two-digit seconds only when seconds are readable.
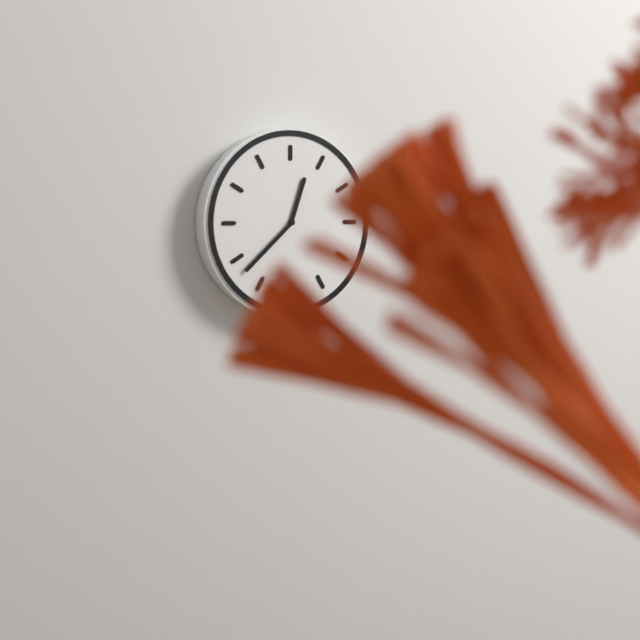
12.38
